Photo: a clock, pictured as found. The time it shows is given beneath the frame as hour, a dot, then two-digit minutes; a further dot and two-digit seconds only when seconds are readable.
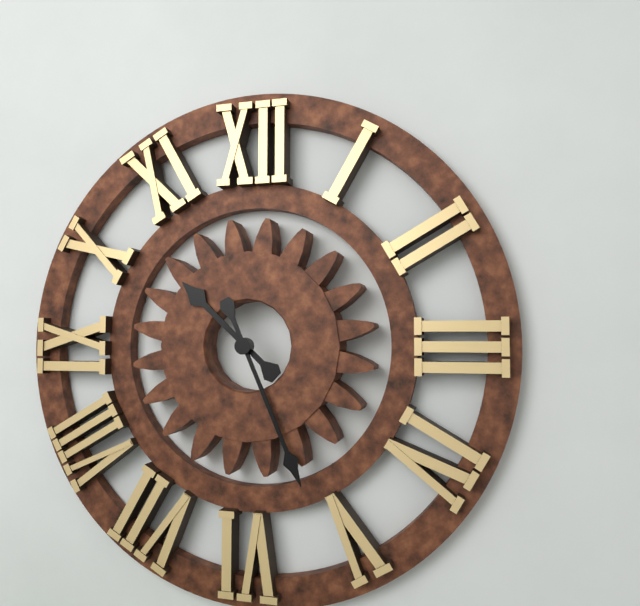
10.26
